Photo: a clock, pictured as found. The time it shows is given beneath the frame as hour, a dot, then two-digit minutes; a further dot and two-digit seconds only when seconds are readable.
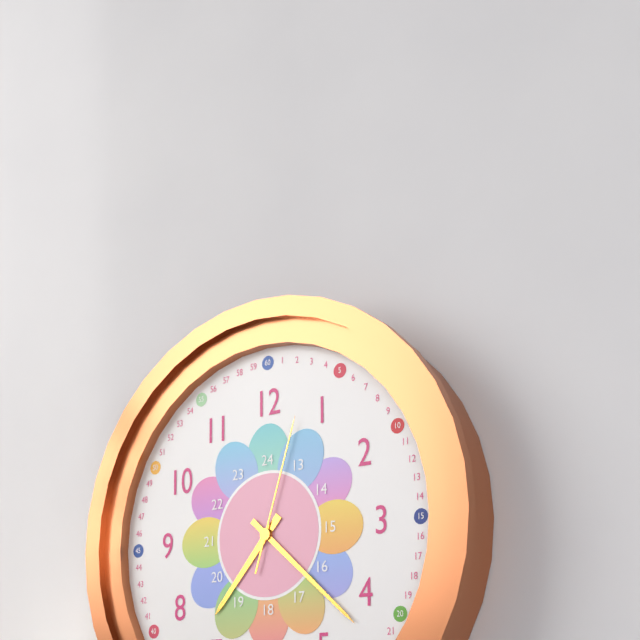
7.22.03
